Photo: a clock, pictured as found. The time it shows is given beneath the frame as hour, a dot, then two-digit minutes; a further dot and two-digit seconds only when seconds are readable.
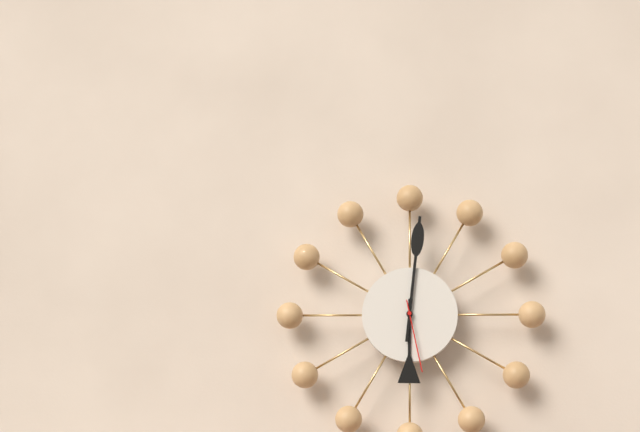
6.01.28
